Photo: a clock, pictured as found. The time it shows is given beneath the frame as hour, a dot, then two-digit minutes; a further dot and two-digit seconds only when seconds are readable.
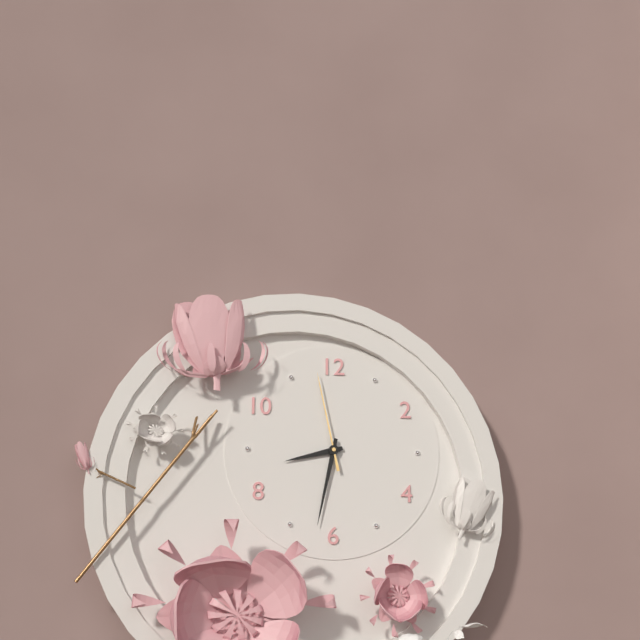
8.32.58
